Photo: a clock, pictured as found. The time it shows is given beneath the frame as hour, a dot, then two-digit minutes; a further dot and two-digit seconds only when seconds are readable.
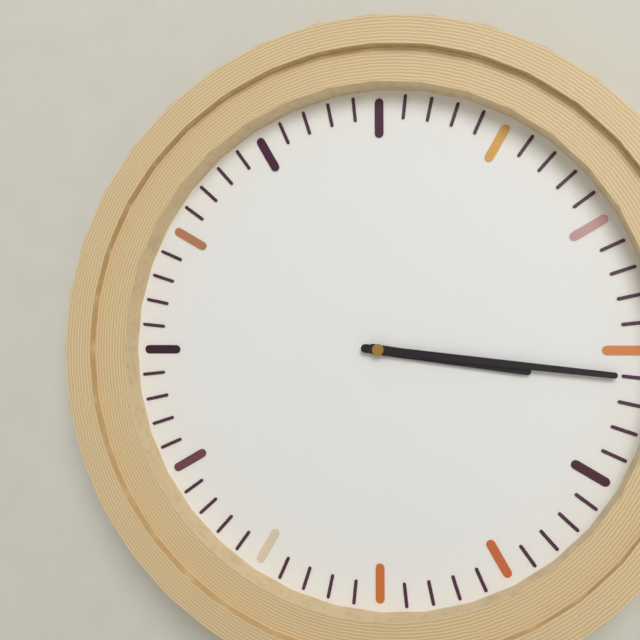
3.16
